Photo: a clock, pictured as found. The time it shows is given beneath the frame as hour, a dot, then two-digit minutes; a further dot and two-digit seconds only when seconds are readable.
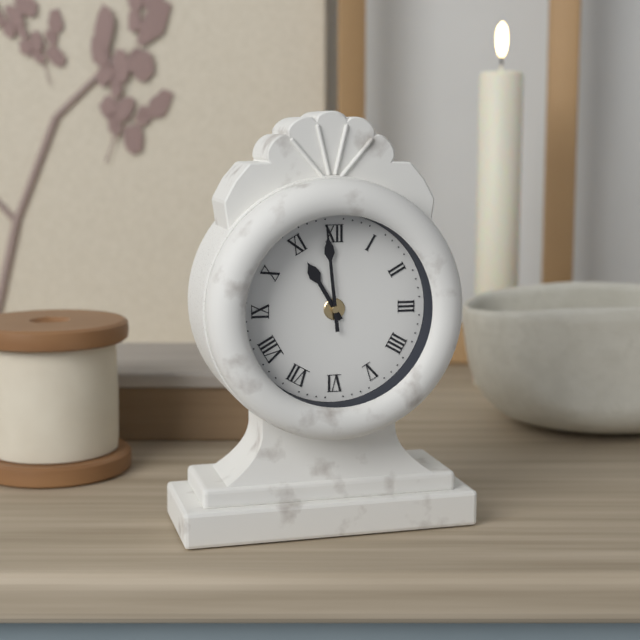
10.59
